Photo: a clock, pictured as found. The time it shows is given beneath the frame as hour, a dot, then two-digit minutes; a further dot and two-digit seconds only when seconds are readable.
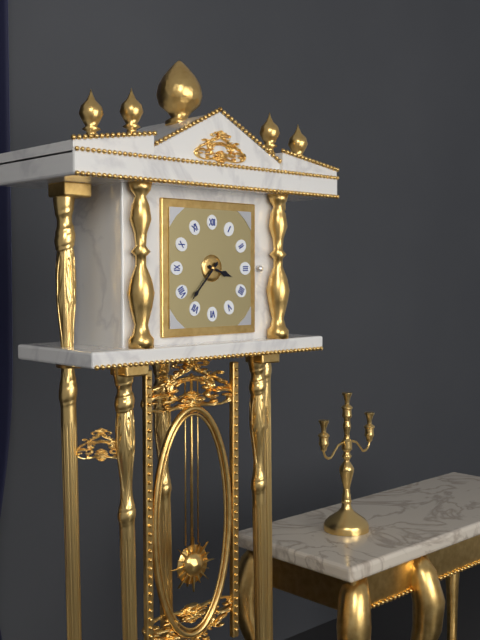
3.37
